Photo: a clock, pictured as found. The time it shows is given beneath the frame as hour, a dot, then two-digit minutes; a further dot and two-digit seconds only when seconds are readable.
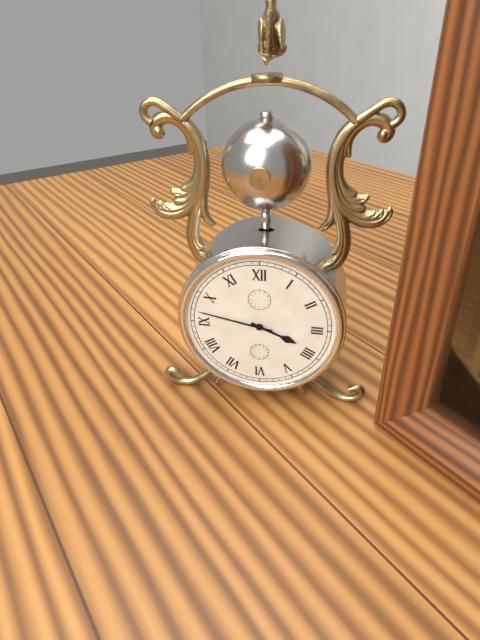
3.47
